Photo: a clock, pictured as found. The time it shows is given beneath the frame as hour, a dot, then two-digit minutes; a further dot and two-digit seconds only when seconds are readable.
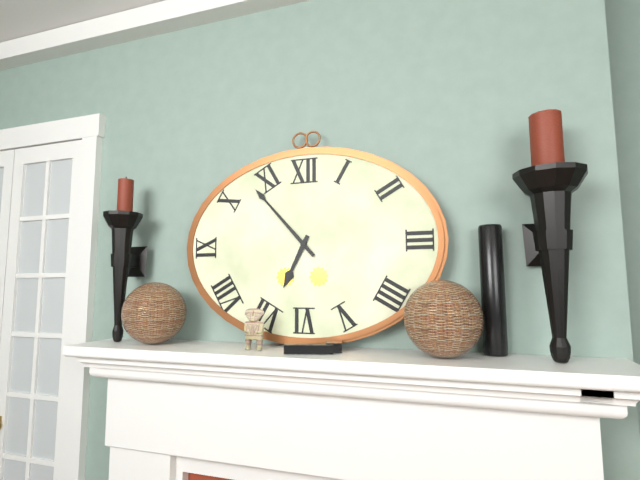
6.53
